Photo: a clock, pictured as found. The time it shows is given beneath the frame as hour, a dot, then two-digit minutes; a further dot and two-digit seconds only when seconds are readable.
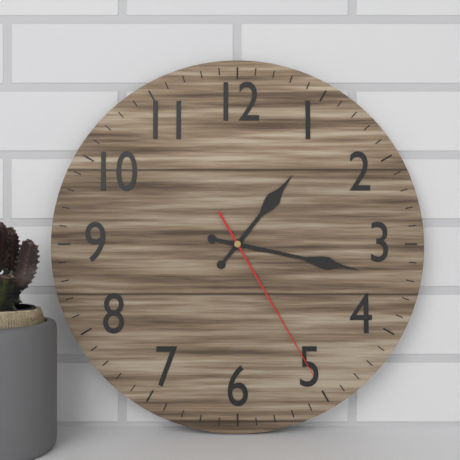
1.17.25
